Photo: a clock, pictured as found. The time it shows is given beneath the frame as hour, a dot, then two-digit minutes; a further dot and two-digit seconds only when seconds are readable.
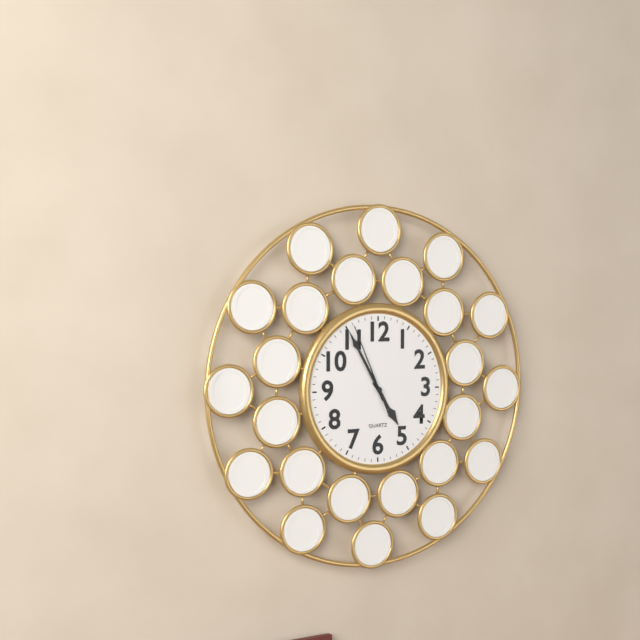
4.55.56
